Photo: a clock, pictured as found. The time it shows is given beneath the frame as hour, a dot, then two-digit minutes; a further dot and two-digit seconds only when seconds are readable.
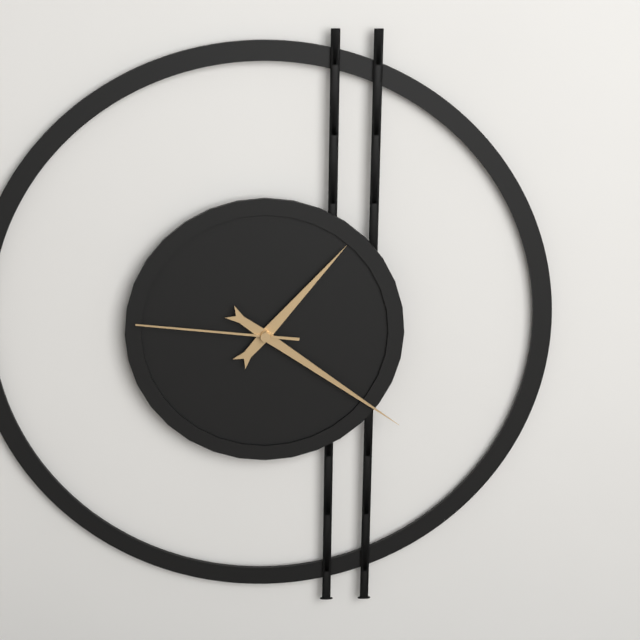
1.21.46
